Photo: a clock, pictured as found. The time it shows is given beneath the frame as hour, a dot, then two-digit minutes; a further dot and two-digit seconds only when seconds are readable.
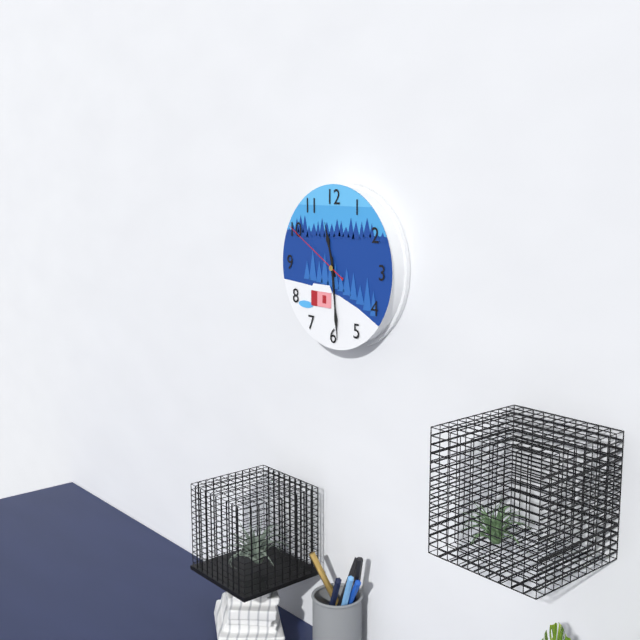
11.29.50
